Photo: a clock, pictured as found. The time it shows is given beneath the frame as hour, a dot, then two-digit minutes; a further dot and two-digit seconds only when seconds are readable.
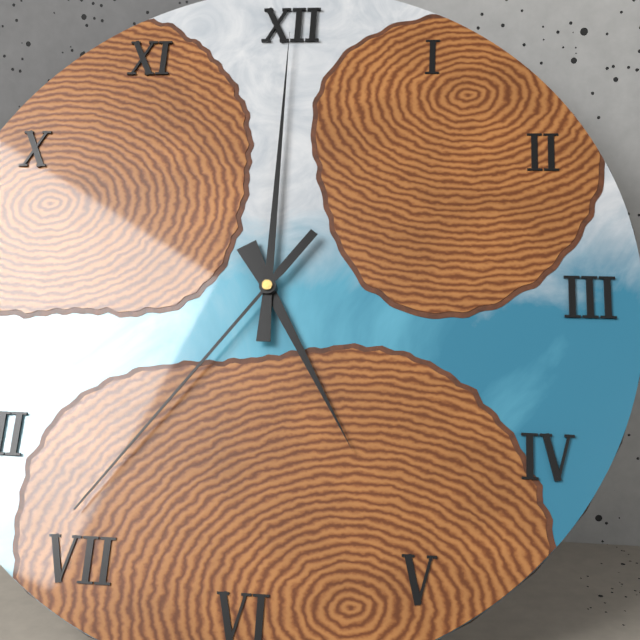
5.00.36
